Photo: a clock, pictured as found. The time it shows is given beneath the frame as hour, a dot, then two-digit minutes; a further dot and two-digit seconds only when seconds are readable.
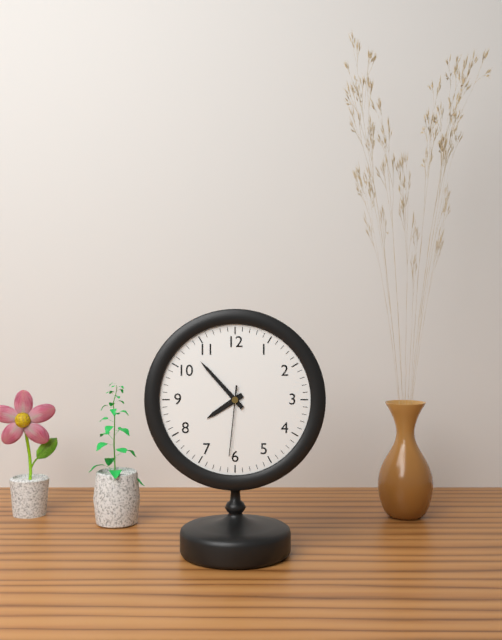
7.53.31
